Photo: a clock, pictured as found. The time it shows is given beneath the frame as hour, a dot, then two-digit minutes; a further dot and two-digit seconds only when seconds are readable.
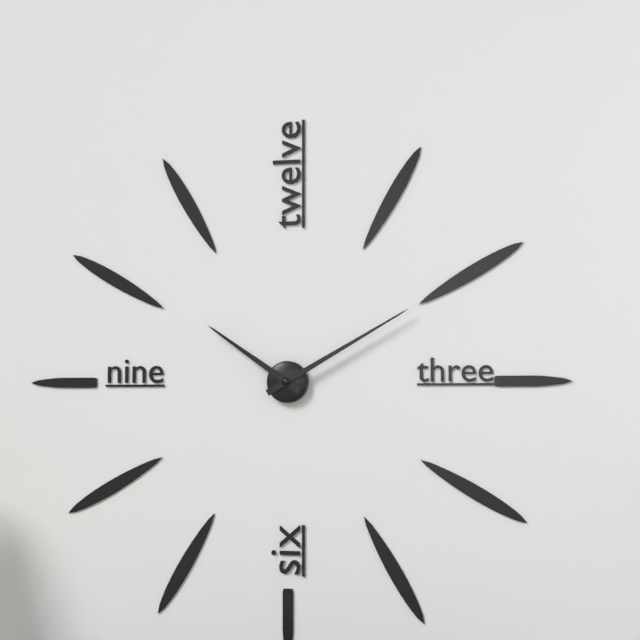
10.10
